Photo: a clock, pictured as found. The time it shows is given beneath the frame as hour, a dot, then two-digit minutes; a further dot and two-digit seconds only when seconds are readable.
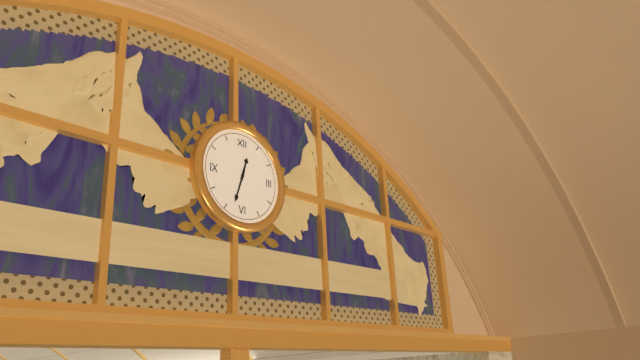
12.33
